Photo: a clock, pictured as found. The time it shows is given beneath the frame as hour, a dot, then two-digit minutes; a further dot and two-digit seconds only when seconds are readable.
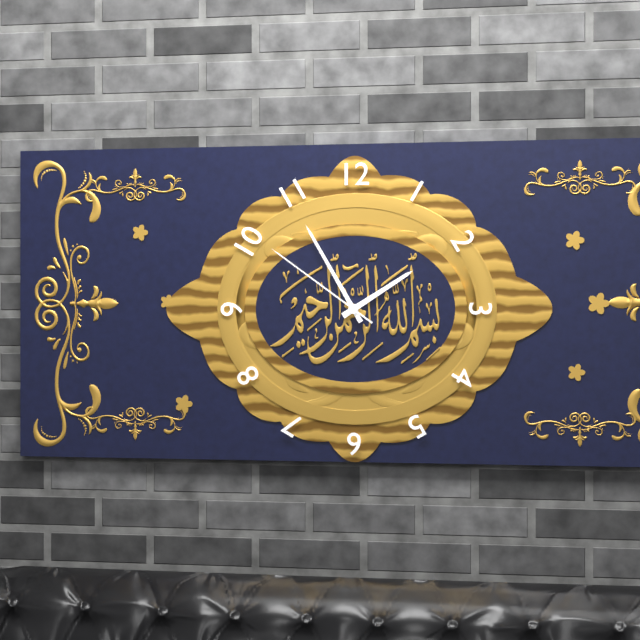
1.55.51
